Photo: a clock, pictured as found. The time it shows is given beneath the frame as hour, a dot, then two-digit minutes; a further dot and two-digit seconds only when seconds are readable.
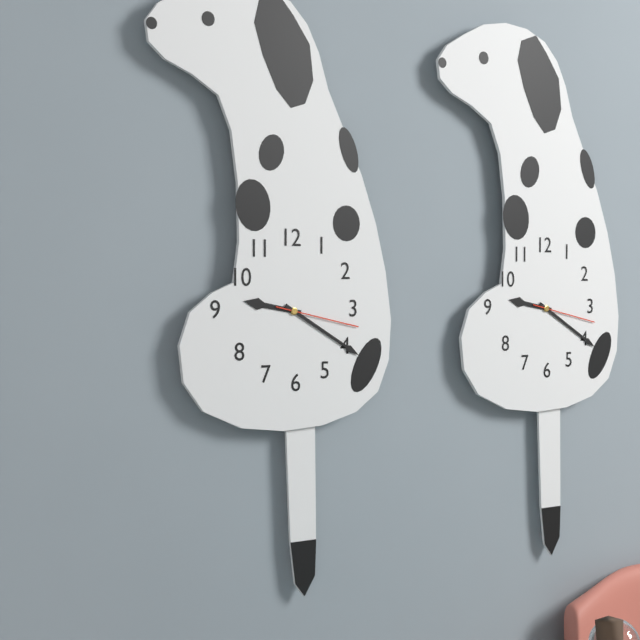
9.20.17
